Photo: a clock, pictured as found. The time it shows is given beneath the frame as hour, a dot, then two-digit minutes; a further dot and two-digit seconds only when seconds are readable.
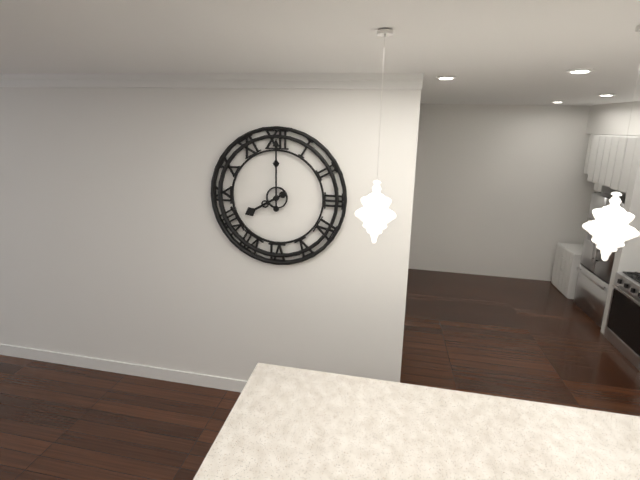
8.00
